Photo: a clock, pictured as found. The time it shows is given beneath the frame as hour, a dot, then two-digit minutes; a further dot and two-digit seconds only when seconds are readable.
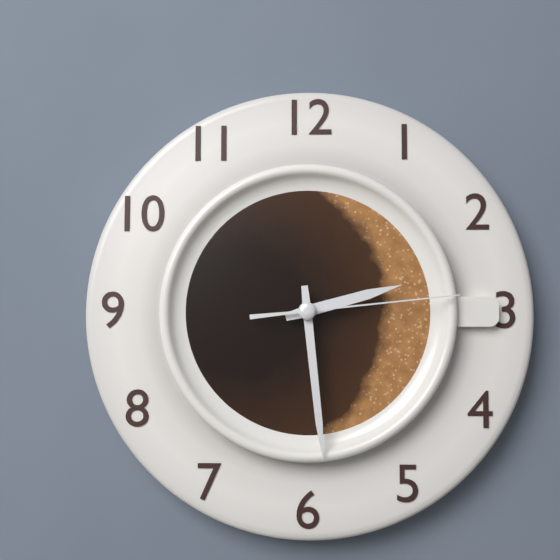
2.29.14
